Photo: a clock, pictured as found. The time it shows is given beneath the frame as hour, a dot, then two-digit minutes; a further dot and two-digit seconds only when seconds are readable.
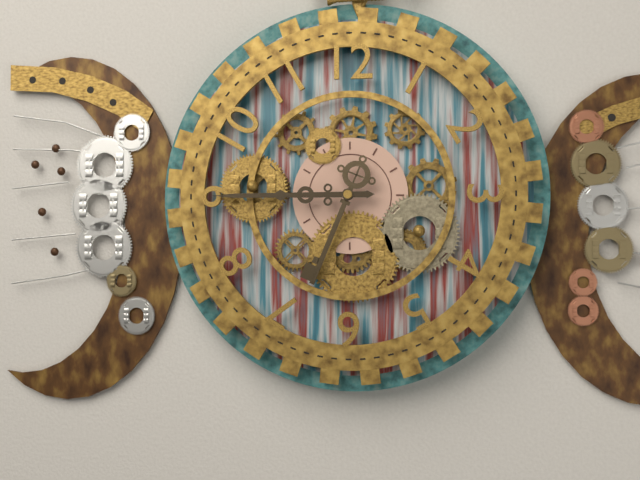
6.45
